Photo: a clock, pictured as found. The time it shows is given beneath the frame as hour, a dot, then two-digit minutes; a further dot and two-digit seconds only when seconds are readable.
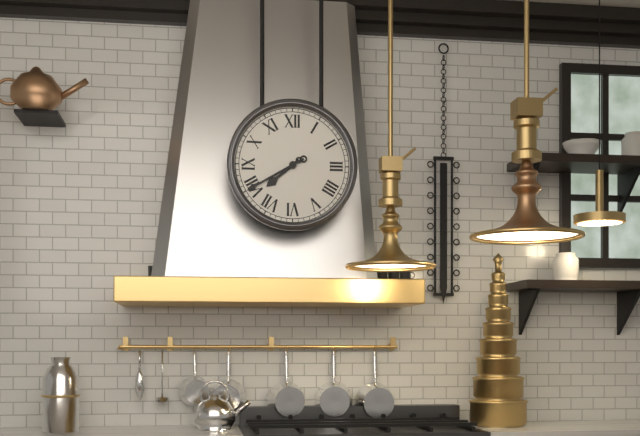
7.40
